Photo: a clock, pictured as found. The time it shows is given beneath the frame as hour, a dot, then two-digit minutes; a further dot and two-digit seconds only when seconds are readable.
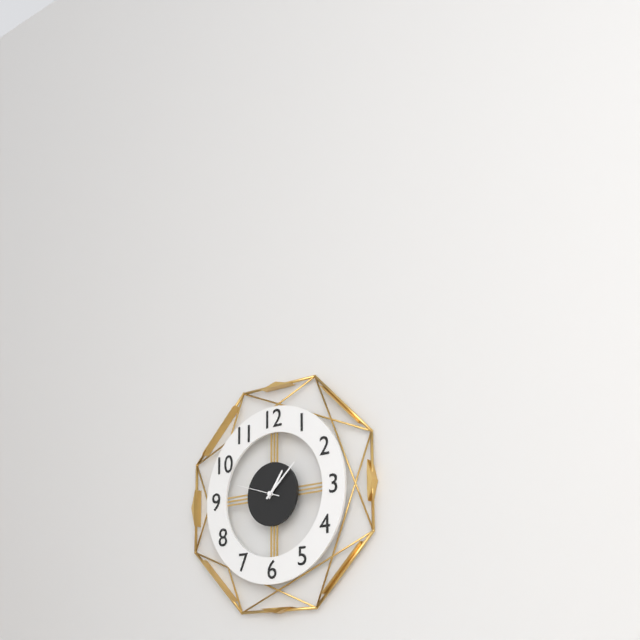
1.08.48
